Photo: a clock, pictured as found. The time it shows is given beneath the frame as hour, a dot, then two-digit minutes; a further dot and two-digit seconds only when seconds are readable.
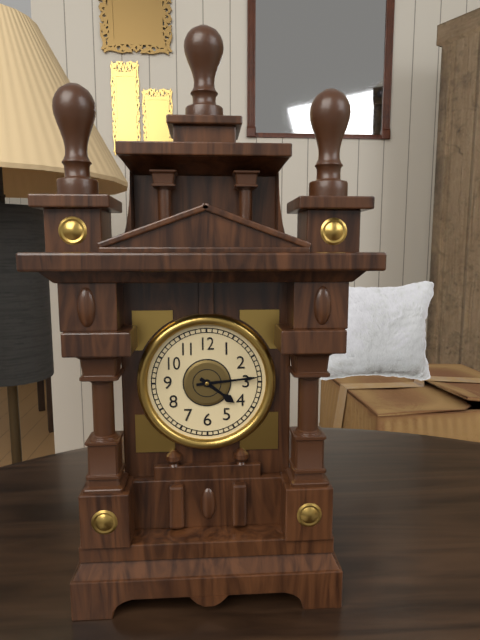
4.14
